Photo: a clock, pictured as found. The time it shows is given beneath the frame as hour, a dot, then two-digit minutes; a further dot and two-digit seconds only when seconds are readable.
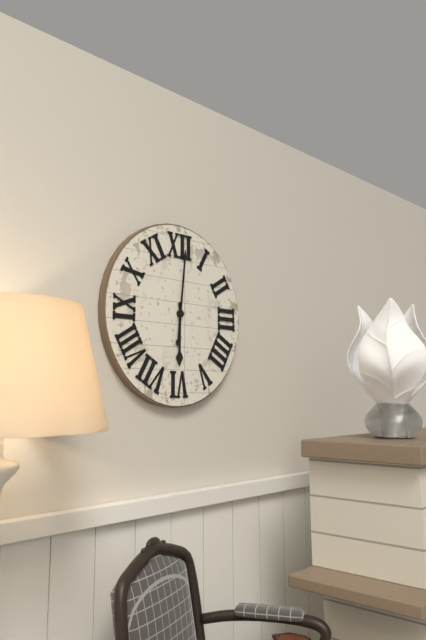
6.01
